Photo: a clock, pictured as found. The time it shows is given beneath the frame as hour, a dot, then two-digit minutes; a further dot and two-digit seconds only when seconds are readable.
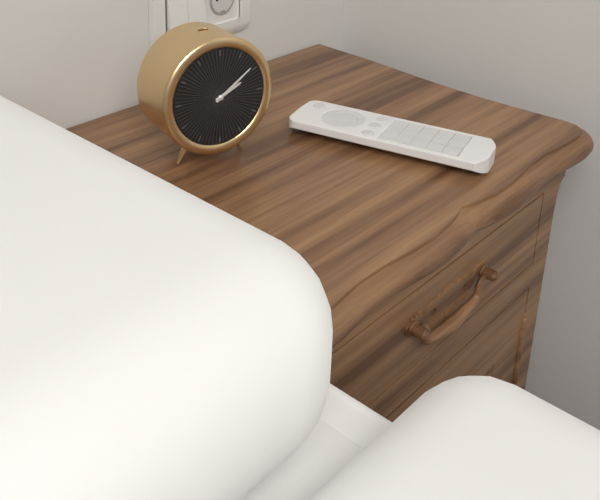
2.09
